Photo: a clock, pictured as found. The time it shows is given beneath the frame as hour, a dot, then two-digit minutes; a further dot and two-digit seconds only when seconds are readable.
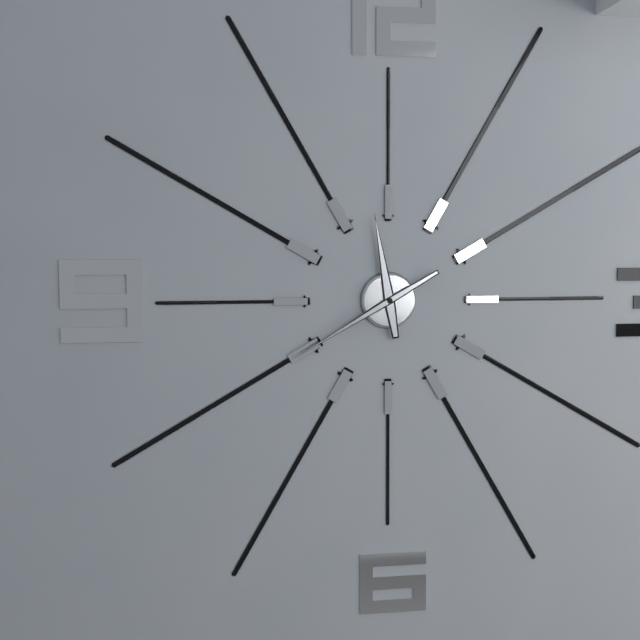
11.40
